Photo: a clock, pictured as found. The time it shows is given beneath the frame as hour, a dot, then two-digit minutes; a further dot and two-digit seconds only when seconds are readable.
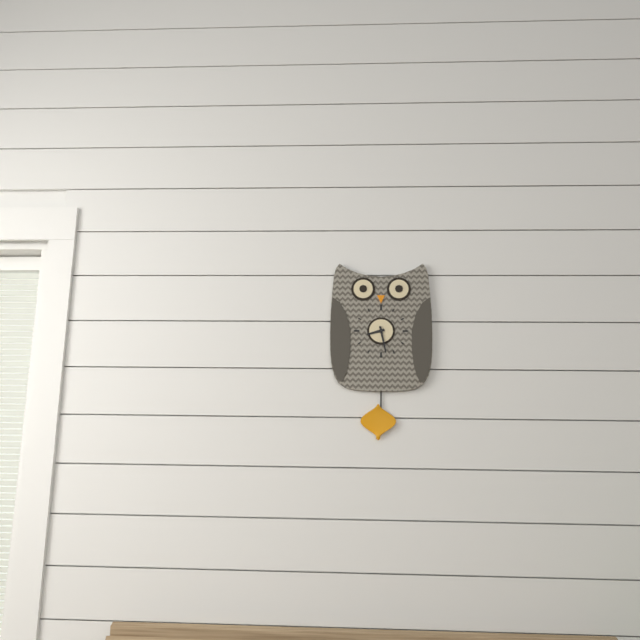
8.28
